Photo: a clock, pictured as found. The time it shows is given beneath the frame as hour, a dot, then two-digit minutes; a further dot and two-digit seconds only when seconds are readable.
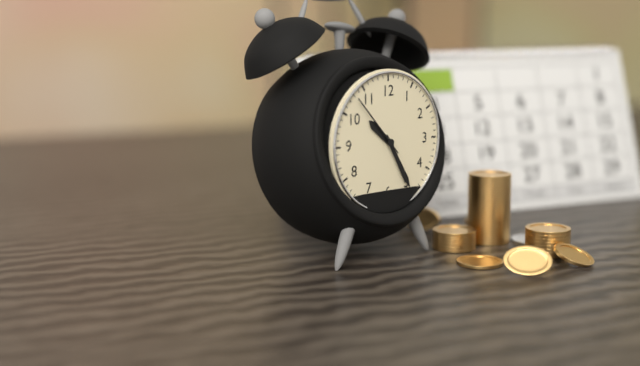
10.25.53
